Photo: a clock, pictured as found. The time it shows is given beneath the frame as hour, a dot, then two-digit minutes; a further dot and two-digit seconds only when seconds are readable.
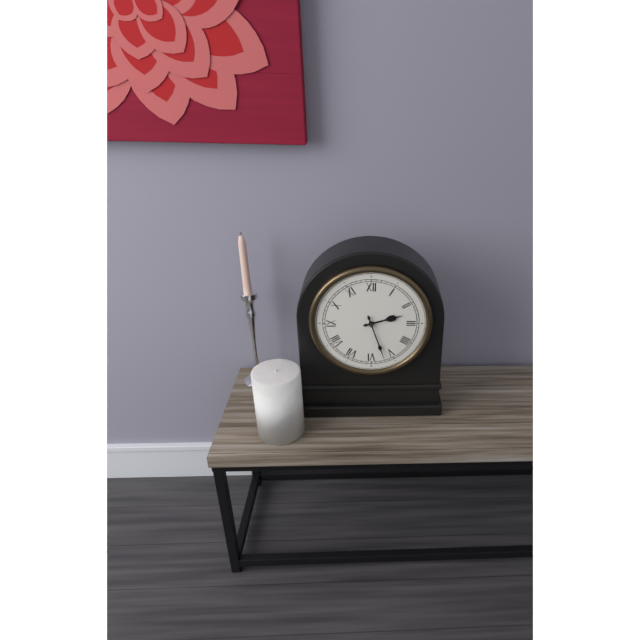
2.27
